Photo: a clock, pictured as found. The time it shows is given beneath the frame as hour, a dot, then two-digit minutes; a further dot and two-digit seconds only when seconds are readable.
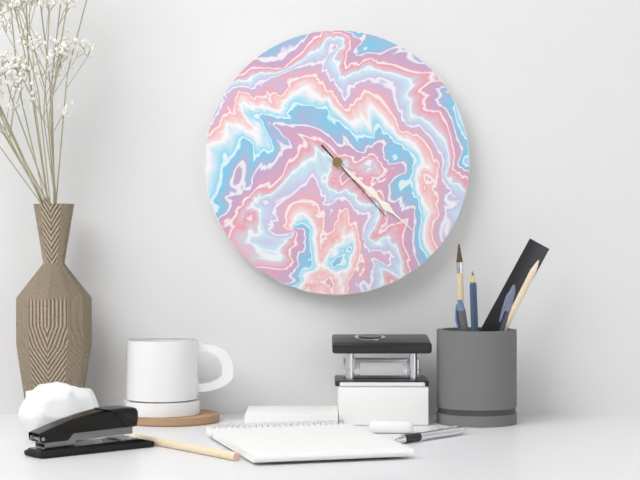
4.22.23
